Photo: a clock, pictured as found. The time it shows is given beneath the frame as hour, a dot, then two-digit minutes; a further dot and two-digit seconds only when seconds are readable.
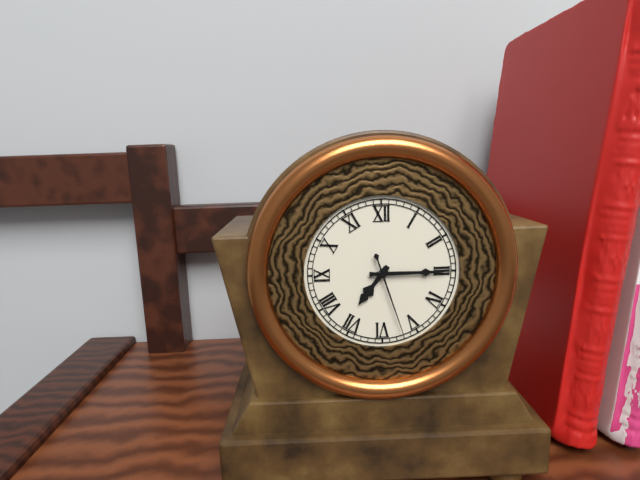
7.15.27
